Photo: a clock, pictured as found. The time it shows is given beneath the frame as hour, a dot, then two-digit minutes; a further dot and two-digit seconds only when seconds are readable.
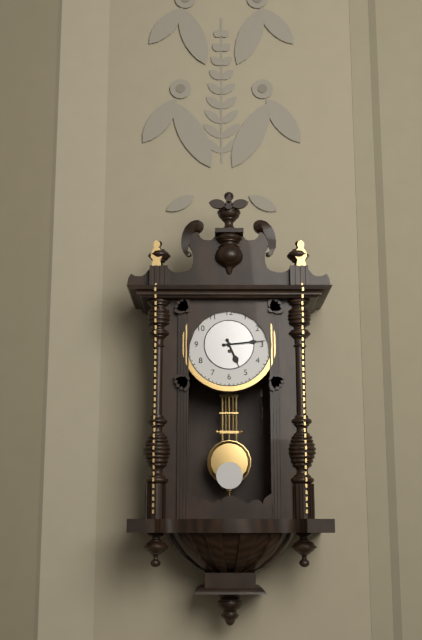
5.14
